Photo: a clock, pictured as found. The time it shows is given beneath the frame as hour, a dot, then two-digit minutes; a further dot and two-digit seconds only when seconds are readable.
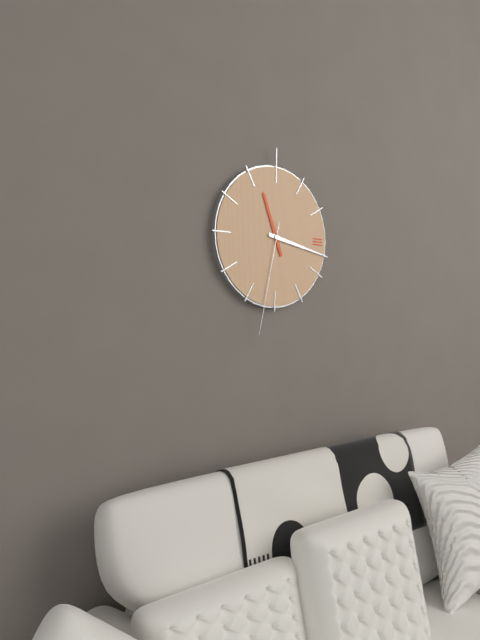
11.17.32
